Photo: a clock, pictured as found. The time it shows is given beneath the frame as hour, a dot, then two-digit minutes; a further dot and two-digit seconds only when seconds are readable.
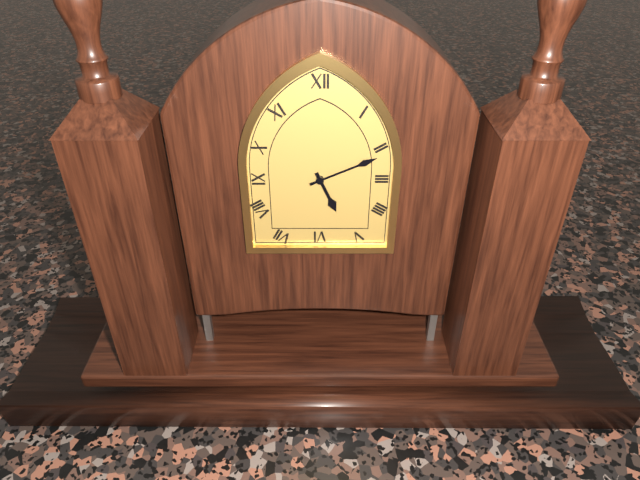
5.11
